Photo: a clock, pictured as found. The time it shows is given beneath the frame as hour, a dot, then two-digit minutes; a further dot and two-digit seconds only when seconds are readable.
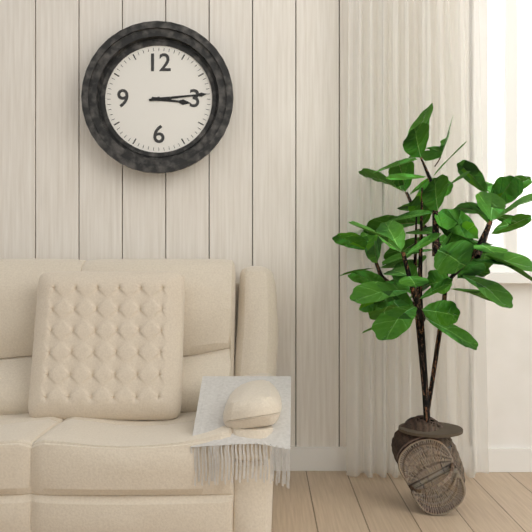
3.14
